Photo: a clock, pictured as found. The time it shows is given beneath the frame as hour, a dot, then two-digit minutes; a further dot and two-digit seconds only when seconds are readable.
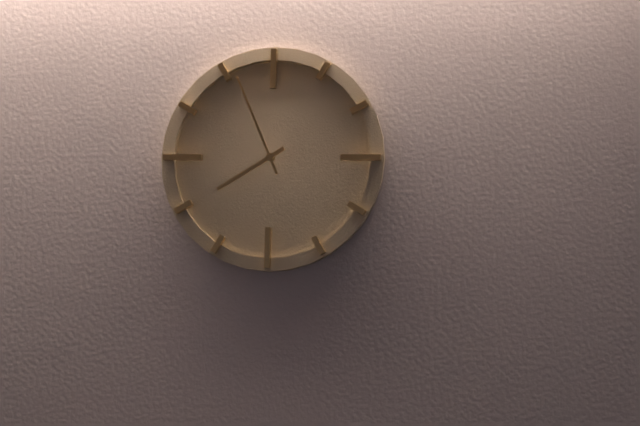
7.56
